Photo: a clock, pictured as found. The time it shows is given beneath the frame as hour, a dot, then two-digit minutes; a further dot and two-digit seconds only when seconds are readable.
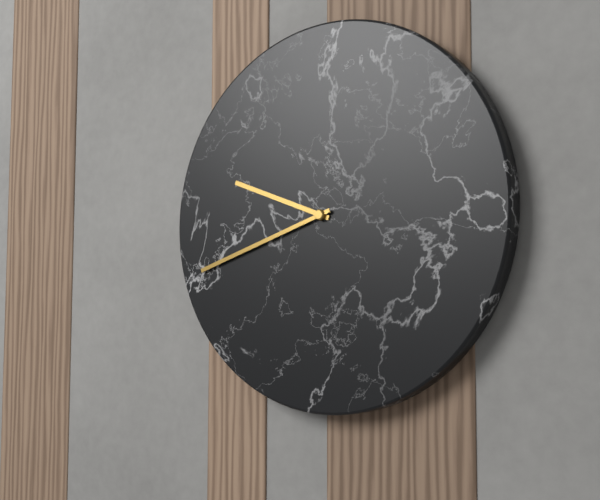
9.42
